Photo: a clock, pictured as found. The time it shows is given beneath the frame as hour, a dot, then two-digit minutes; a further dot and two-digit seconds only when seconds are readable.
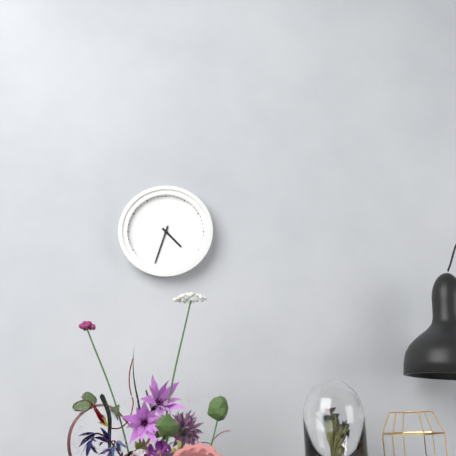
4.33
